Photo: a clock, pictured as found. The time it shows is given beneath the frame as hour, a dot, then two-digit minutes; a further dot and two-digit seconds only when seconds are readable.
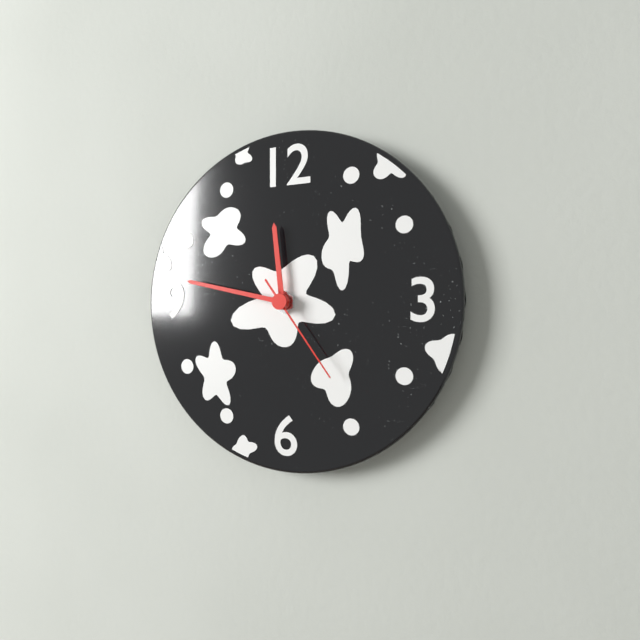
11.47.24
